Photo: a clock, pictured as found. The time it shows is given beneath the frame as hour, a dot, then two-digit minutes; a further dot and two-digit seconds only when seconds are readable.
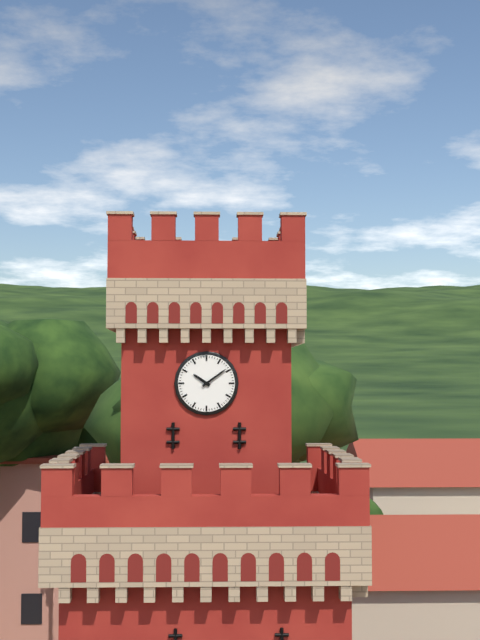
10.09
